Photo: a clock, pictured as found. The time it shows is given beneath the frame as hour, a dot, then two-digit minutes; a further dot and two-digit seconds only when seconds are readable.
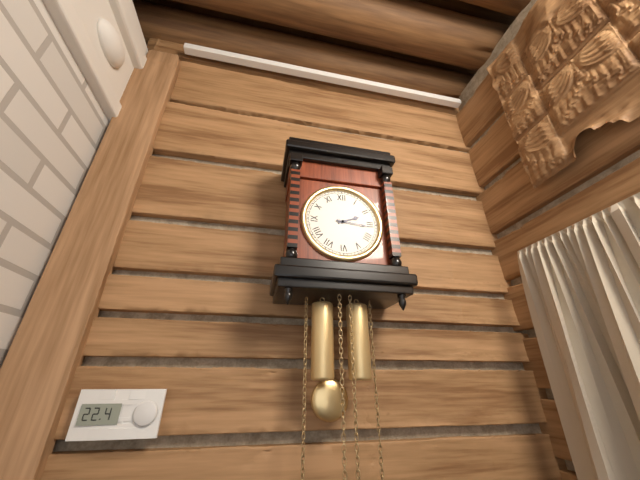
2.16
